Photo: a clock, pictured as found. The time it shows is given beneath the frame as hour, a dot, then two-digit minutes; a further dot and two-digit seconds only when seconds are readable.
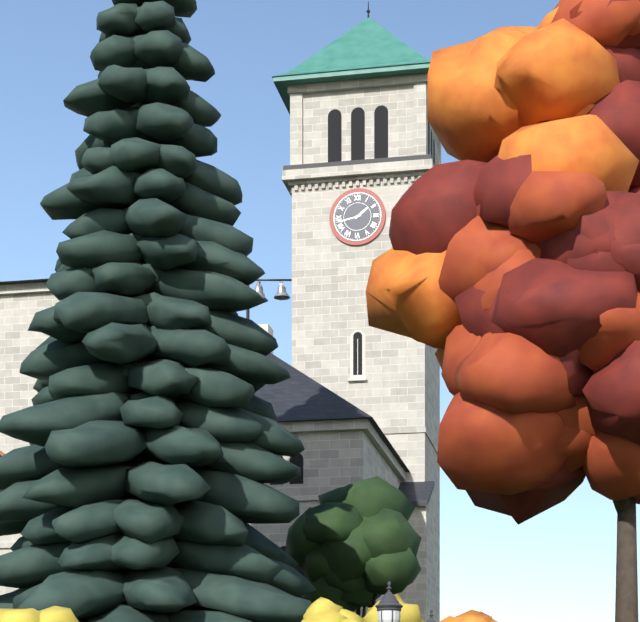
1.43
